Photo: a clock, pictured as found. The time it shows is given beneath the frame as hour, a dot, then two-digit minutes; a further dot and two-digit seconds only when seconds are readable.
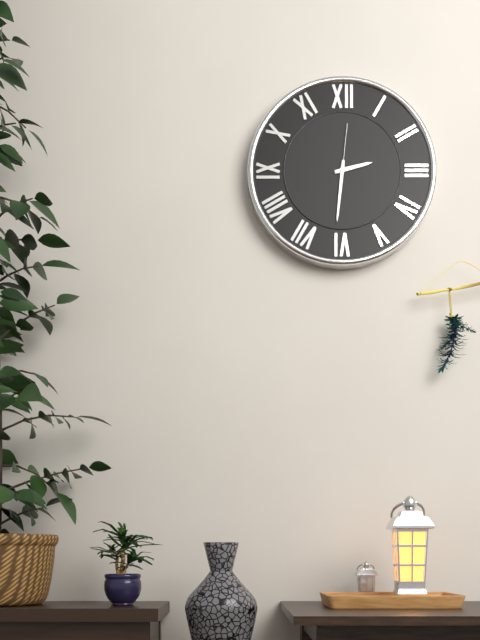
2.31.01
